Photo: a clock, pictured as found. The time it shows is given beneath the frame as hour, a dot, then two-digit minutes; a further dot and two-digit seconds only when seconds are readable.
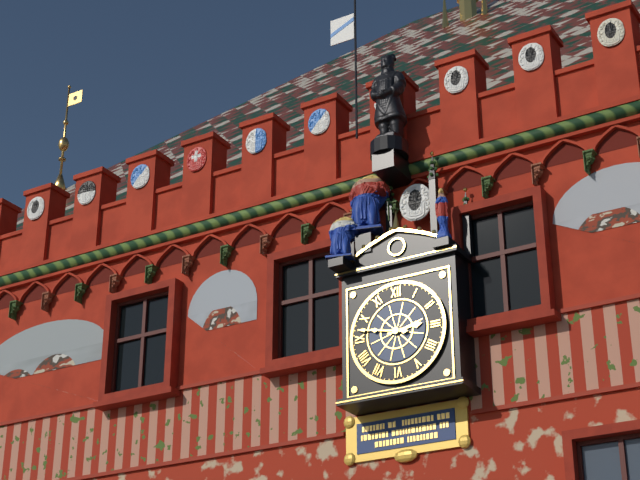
2.47
